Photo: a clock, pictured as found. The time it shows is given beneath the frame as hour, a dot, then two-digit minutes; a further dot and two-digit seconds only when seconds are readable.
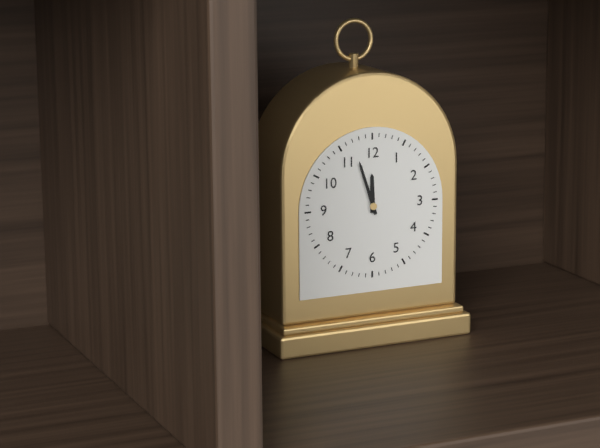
11.57
